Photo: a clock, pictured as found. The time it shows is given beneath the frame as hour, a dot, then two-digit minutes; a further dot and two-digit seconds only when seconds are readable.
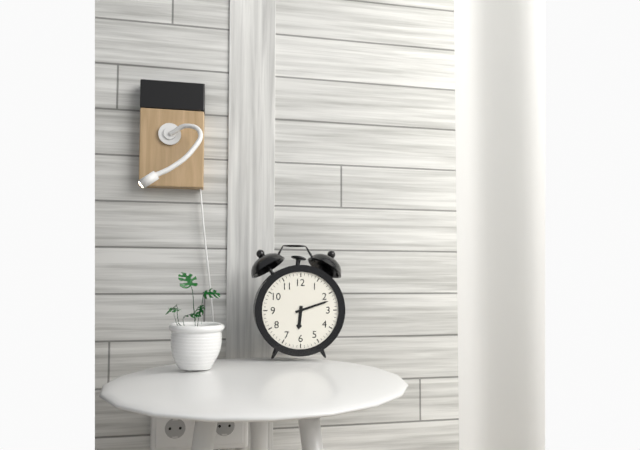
6.12
